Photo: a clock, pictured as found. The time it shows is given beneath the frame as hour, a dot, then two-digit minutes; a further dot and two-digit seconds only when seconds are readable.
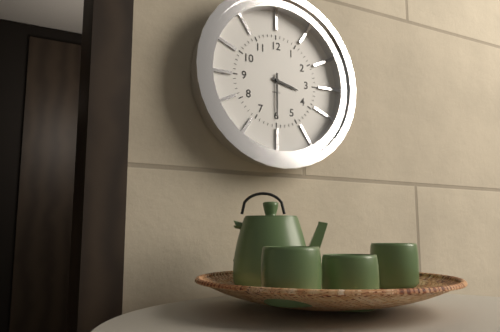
3.30
